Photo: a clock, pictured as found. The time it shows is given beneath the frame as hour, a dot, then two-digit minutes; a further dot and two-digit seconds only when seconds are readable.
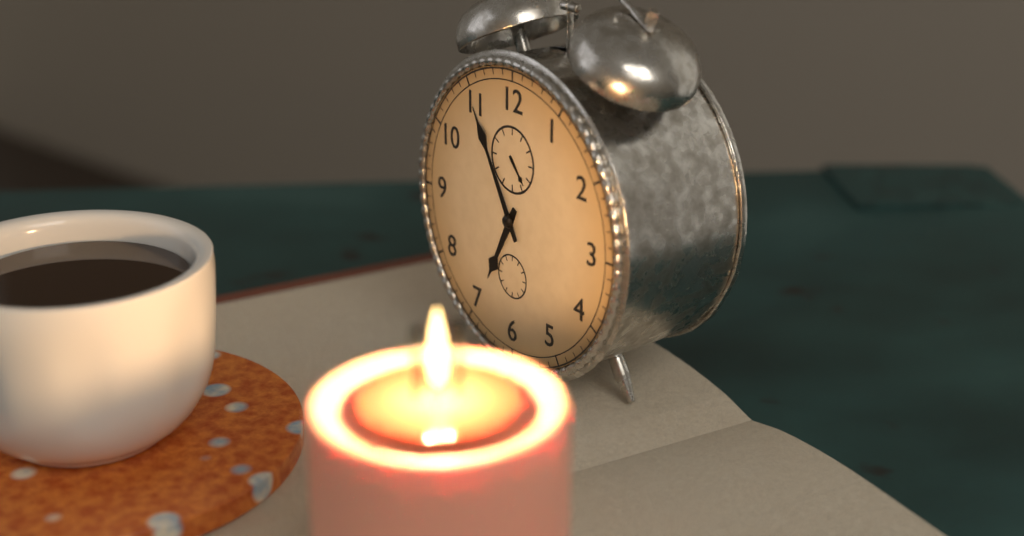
6.55
